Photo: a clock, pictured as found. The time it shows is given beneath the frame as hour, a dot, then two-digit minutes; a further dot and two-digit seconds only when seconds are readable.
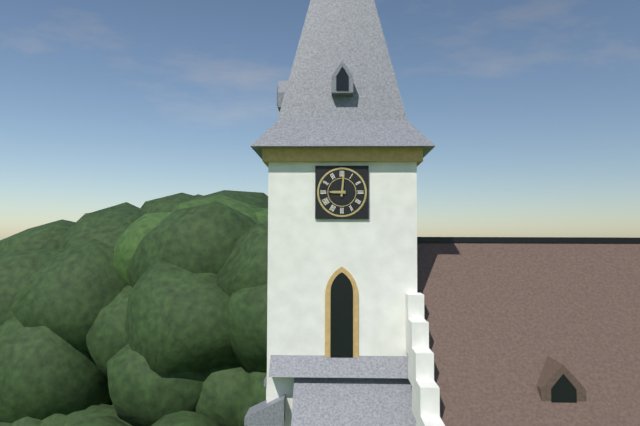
9.01
